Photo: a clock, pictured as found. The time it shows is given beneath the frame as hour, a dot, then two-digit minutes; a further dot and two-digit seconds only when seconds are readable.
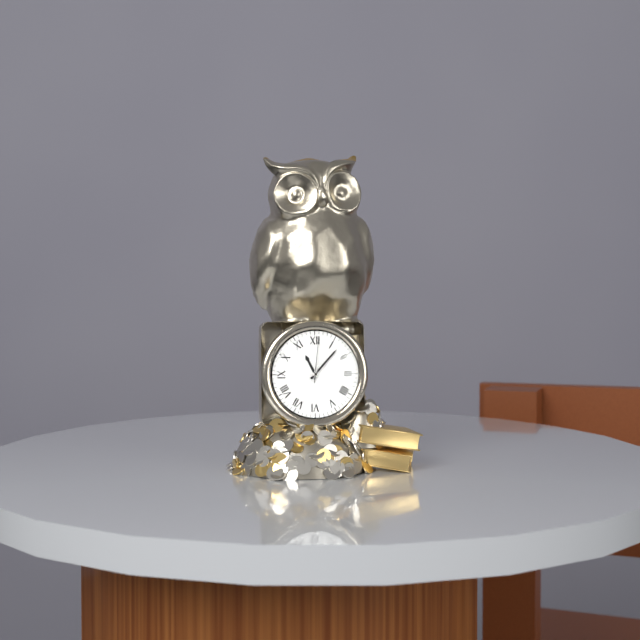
11.07
